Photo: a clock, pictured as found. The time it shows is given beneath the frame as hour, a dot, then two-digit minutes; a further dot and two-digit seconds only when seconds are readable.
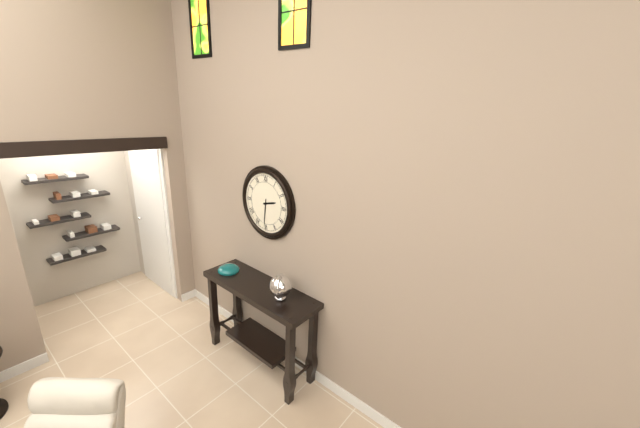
2.31
